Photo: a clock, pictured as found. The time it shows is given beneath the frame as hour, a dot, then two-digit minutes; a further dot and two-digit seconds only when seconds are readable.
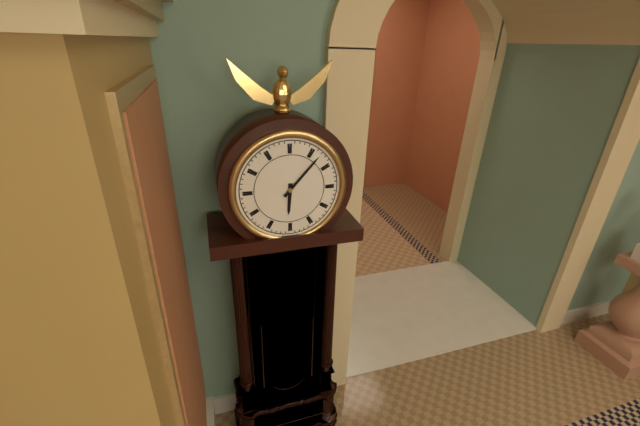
6.07
